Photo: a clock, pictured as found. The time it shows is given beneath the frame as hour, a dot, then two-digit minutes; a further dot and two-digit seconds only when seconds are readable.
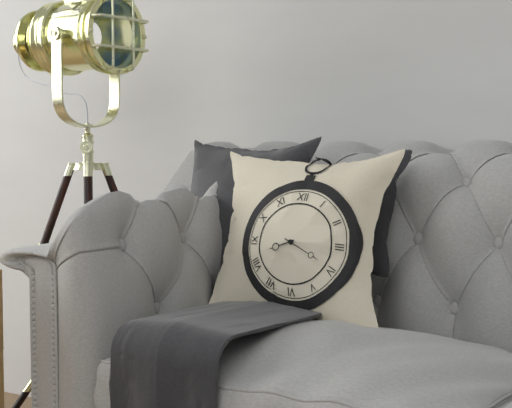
8.19
